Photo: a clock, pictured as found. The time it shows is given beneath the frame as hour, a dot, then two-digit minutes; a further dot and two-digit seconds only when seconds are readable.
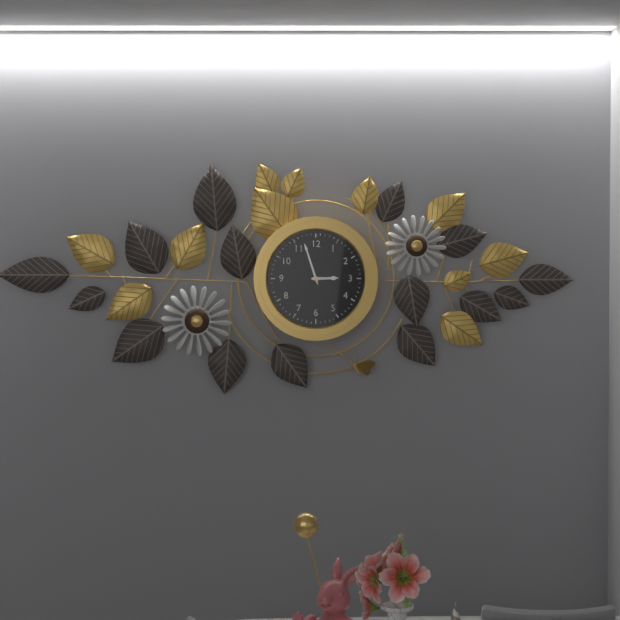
2.57
